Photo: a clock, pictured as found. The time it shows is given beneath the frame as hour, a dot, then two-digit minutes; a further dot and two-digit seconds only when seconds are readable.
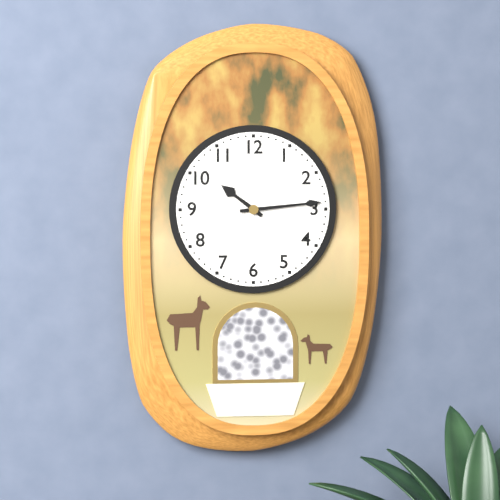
10.14
